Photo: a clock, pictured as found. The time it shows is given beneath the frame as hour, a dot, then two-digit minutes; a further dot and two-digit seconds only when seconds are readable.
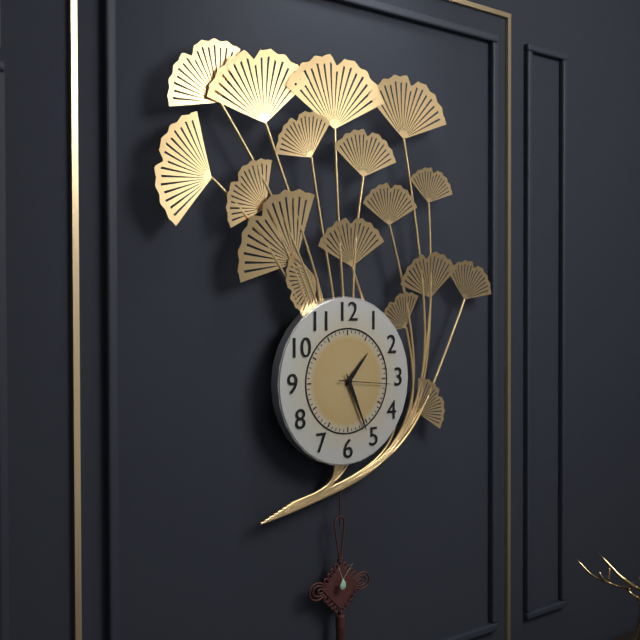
1.26.16
